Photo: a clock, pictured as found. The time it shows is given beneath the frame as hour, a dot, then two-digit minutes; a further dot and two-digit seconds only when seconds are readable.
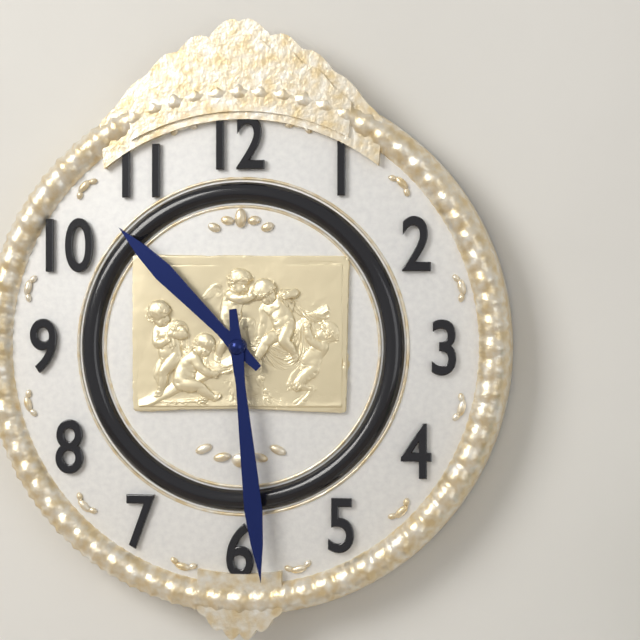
10.29
